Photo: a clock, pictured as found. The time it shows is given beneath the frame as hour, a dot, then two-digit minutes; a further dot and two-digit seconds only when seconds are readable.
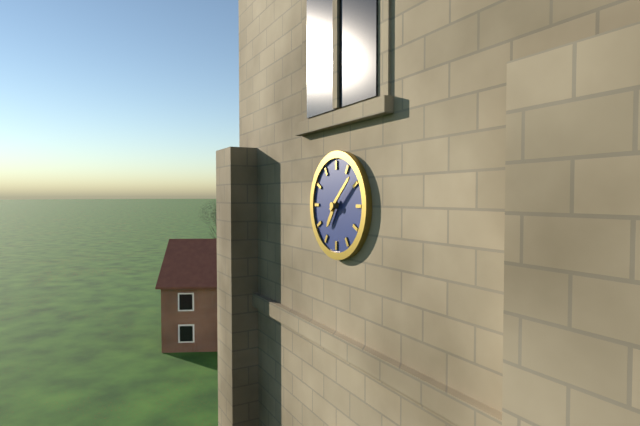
7.08
